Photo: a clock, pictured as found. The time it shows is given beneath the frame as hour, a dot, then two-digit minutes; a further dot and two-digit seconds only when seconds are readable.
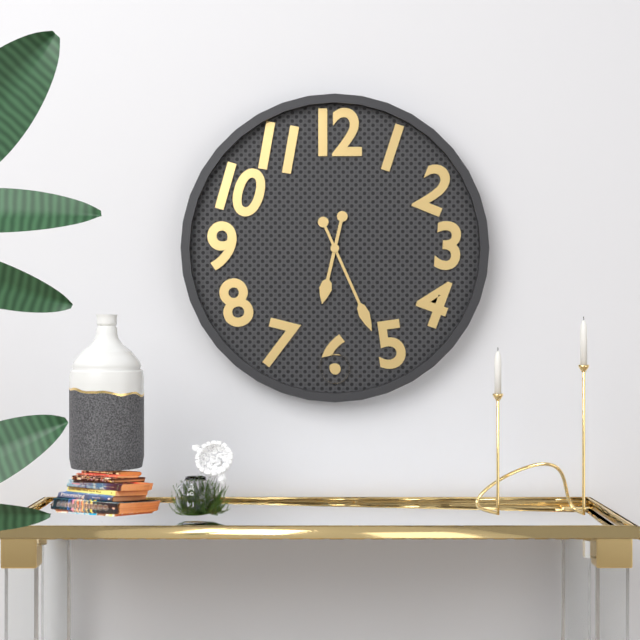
6.26
